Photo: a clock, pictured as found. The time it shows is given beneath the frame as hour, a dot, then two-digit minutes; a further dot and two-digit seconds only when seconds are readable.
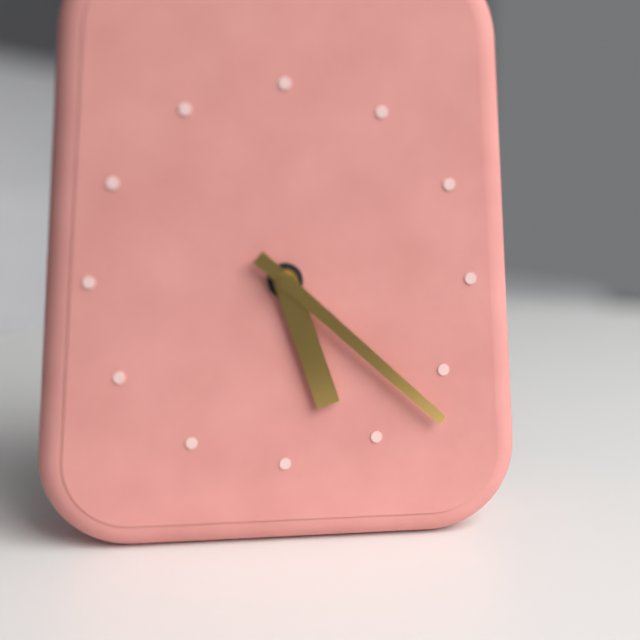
5.22
